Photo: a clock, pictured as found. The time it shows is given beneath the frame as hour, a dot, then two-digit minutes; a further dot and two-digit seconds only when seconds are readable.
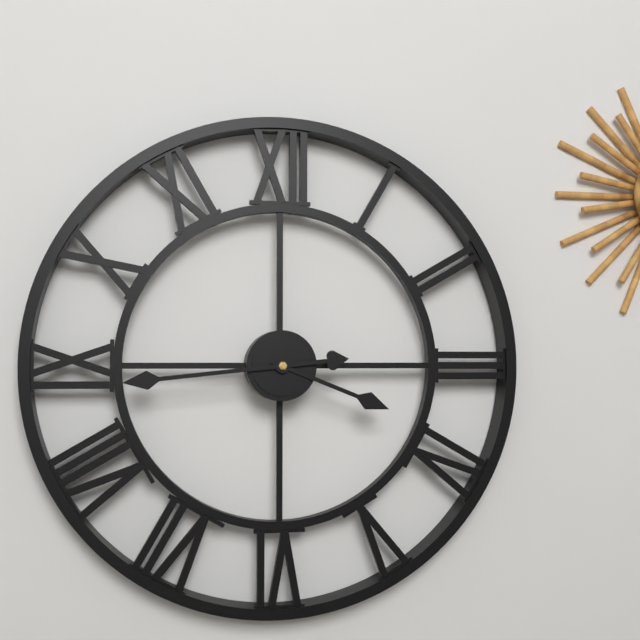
3.44
